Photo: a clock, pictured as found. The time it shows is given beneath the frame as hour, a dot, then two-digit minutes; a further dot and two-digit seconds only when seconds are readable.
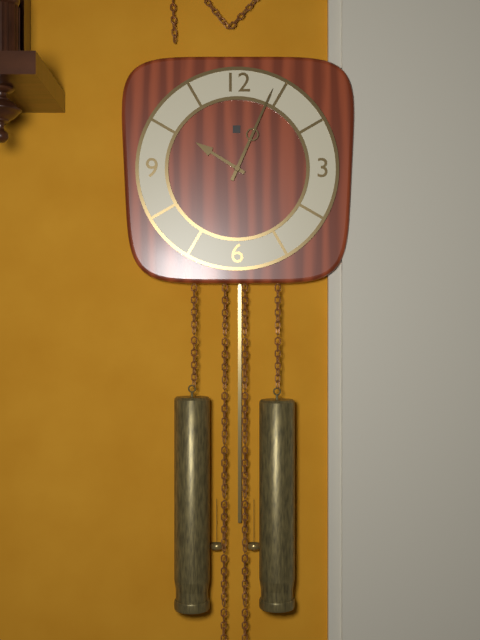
10.04
